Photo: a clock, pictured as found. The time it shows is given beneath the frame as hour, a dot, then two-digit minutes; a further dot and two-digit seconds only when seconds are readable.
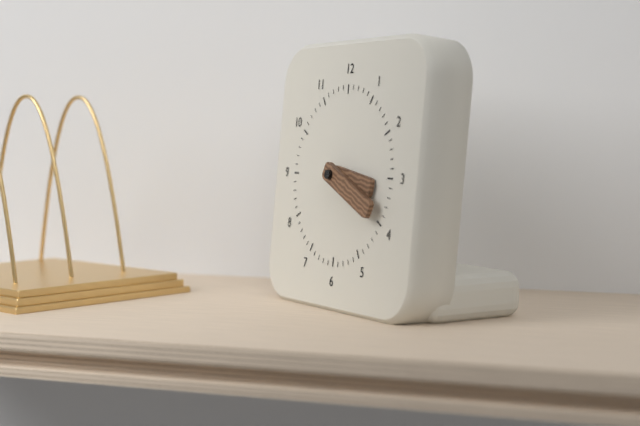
3.19
